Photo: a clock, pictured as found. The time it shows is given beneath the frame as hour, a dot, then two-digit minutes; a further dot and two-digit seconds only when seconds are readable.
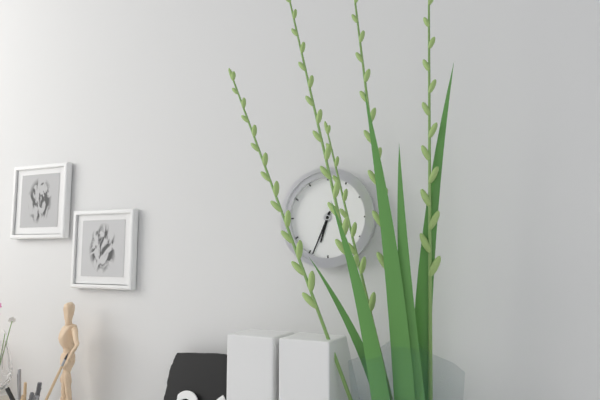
6.34
